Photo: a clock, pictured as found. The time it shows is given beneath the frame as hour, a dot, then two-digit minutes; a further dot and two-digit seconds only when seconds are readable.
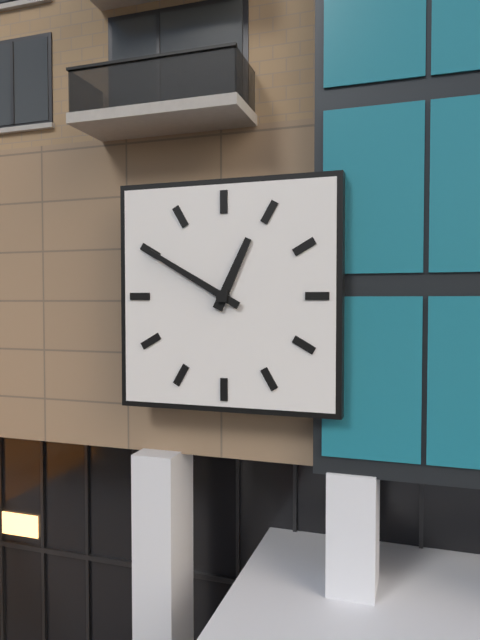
12.50
